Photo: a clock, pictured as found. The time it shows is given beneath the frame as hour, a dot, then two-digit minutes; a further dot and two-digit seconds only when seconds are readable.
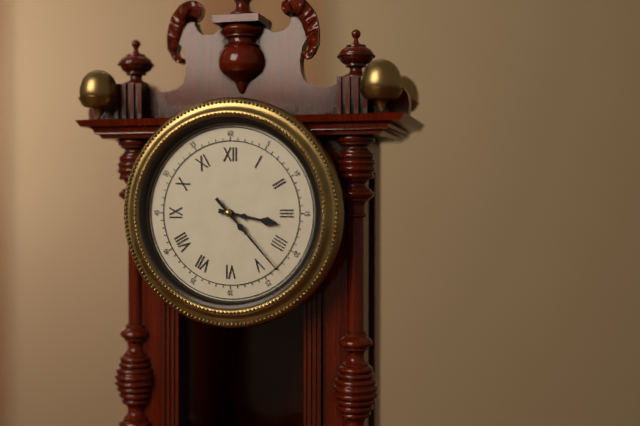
3.23
